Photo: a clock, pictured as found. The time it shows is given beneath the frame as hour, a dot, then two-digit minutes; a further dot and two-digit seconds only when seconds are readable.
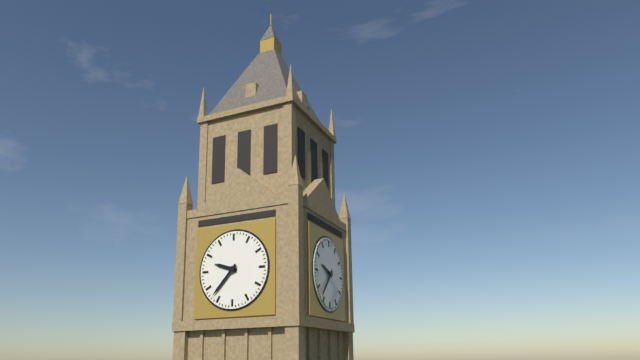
9.37
